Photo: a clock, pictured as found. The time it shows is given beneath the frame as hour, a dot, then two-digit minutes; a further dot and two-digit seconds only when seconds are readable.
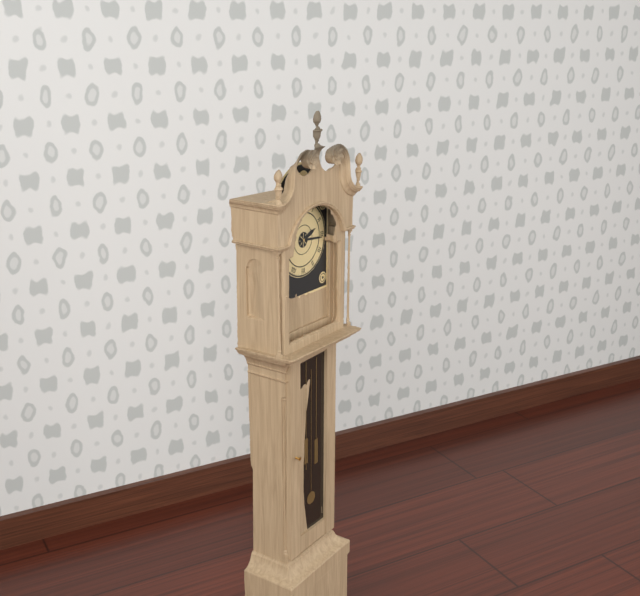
2.16
